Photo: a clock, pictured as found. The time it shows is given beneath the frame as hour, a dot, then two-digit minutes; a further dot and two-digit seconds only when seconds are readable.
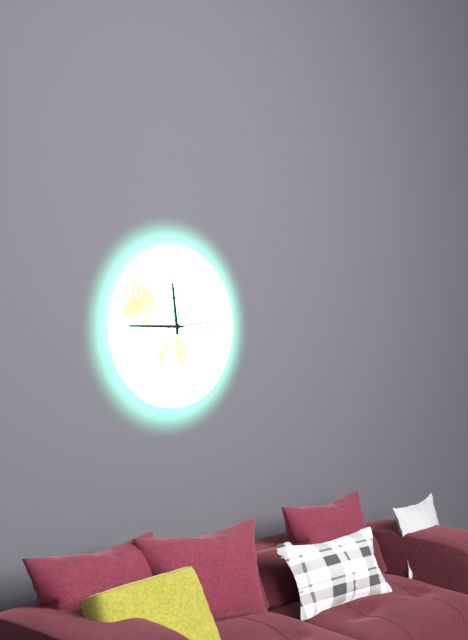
11.45.14
